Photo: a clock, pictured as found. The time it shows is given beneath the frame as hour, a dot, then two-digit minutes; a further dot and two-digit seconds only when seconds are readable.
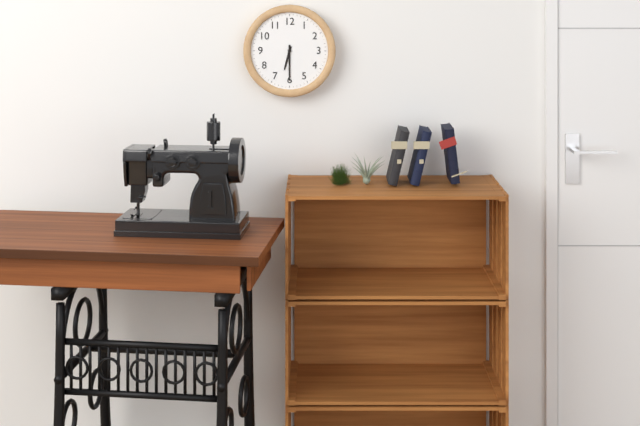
6.30
